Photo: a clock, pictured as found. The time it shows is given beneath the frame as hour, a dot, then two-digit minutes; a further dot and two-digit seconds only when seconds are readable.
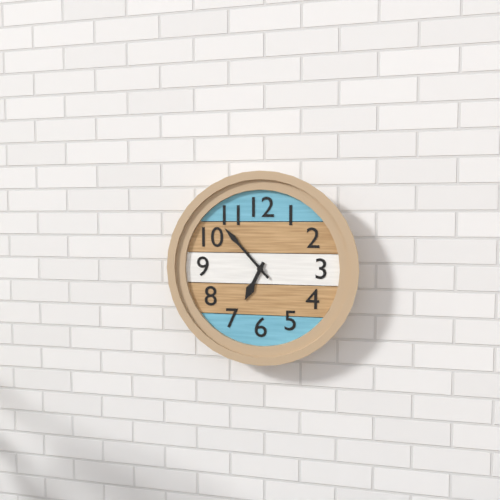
6.53
